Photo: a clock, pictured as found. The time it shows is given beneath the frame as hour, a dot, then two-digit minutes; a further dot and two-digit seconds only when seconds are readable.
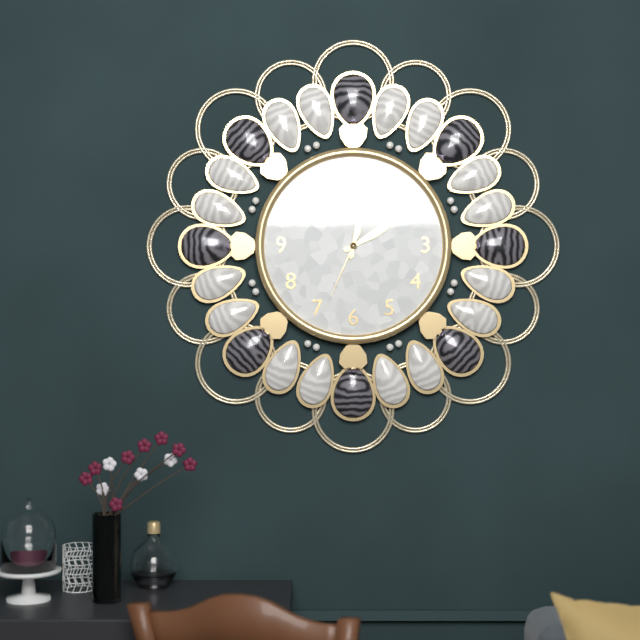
2.02.34
